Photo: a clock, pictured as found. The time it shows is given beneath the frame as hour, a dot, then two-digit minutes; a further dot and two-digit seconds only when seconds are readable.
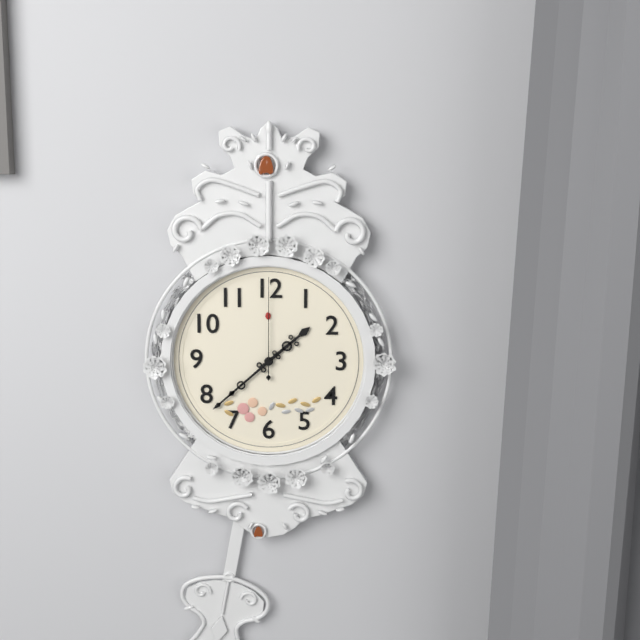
1.38.00
